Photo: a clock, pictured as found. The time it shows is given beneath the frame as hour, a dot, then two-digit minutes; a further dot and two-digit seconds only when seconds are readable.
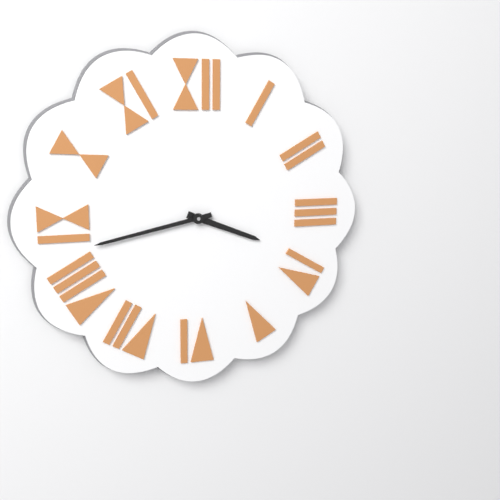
3.43
